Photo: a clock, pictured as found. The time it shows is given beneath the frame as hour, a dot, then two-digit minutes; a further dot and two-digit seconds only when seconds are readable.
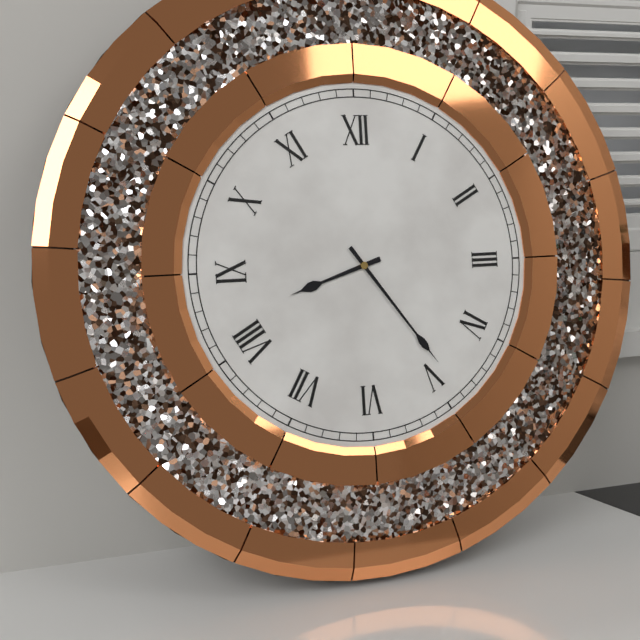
8.24
